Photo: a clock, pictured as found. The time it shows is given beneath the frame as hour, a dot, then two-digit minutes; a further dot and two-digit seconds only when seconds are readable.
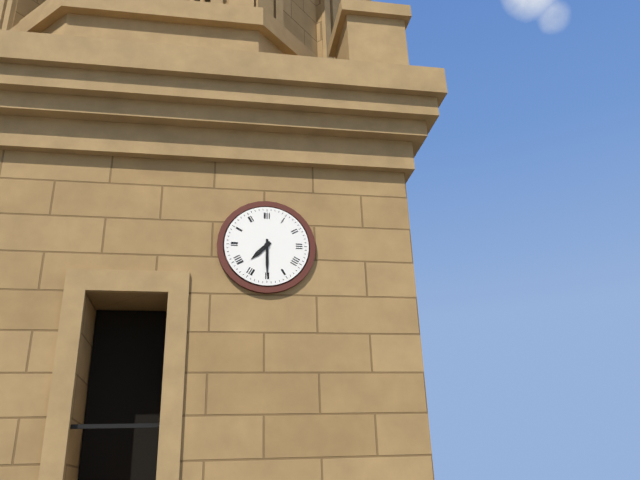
7.30
